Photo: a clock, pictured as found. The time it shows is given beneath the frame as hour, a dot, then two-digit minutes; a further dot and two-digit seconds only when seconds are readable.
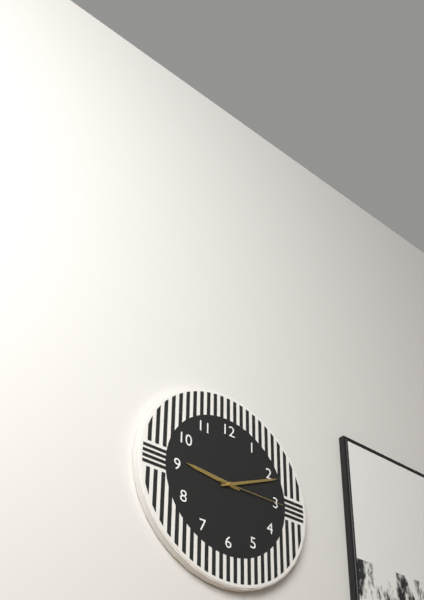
9.11.15
